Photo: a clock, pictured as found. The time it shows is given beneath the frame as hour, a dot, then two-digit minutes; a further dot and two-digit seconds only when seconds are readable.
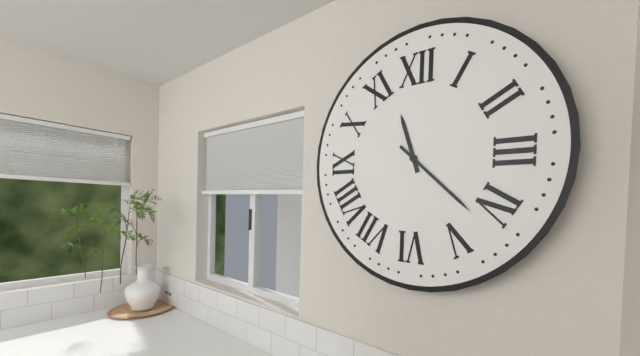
11.22
